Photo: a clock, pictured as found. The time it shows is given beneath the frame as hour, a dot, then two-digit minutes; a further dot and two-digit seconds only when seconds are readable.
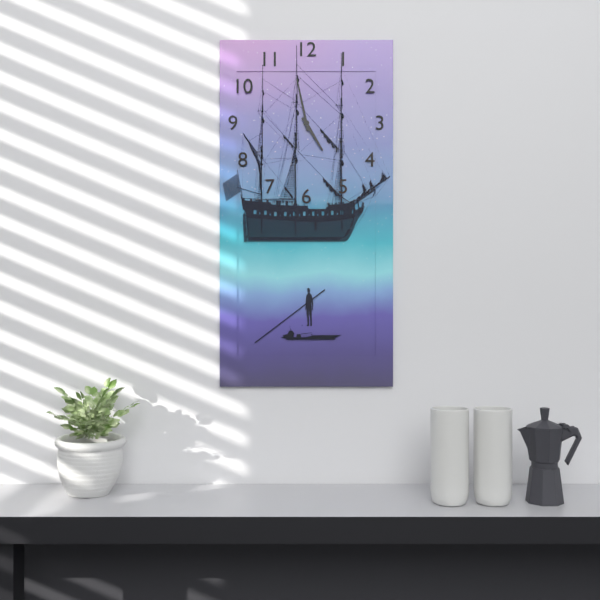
4.58
